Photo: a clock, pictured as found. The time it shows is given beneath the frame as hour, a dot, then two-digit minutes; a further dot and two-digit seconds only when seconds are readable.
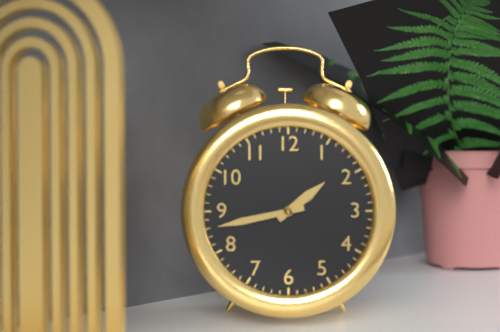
1.43
